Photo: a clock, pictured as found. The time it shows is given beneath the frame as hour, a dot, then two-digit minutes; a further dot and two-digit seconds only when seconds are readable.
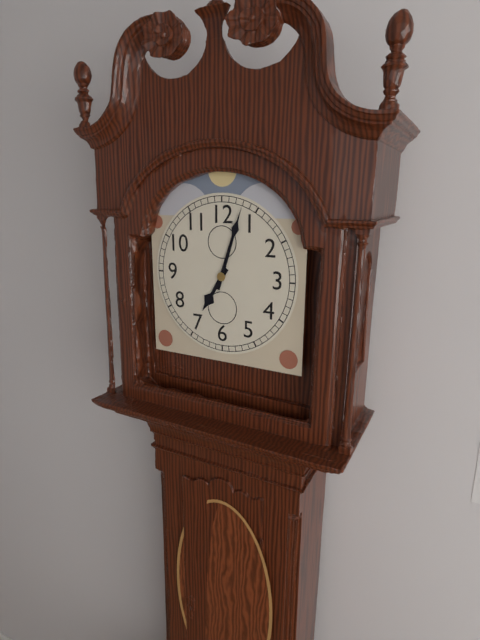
7.03
